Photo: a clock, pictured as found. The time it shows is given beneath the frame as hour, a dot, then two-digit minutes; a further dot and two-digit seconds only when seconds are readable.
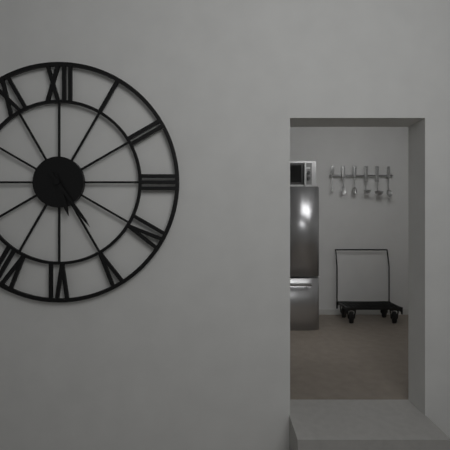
5.24
